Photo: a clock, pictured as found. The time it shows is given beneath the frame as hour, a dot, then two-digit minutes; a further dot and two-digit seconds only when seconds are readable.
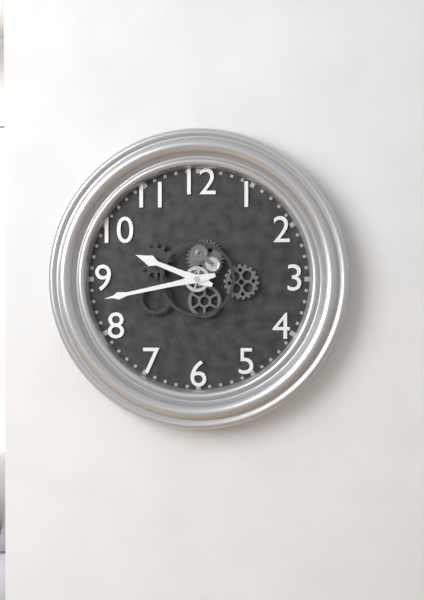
9.43
